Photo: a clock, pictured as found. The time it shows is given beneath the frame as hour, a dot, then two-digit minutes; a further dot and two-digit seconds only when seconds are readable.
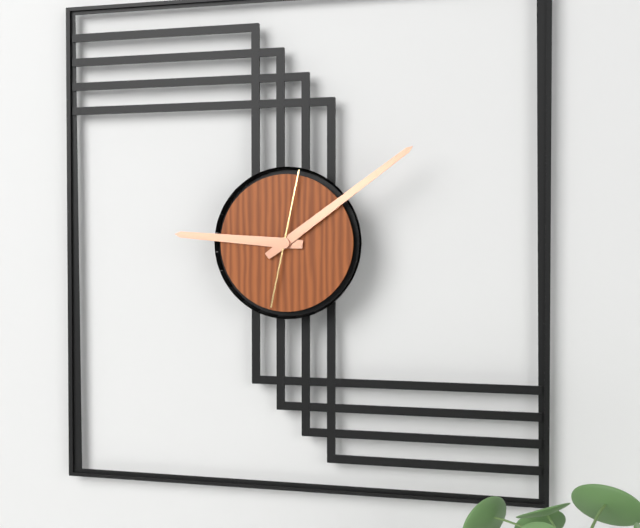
9.09.02
